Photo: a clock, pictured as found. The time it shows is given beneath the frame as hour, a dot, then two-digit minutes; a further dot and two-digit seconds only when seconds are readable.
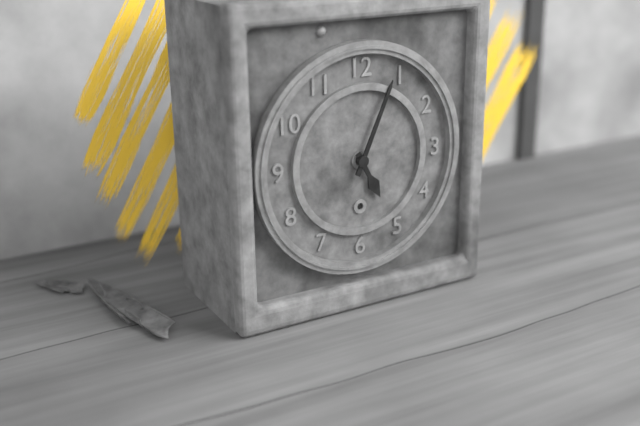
5.04
